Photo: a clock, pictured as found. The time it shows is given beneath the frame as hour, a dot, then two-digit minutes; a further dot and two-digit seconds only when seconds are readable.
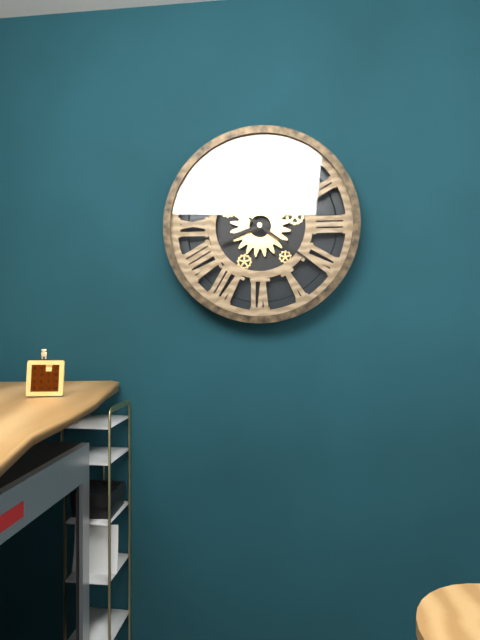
8.21
